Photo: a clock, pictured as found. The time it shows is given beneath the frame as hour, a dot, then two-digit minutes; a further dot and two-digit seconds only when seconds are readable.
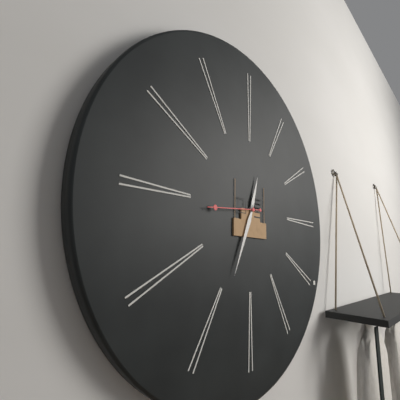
12.34.44
